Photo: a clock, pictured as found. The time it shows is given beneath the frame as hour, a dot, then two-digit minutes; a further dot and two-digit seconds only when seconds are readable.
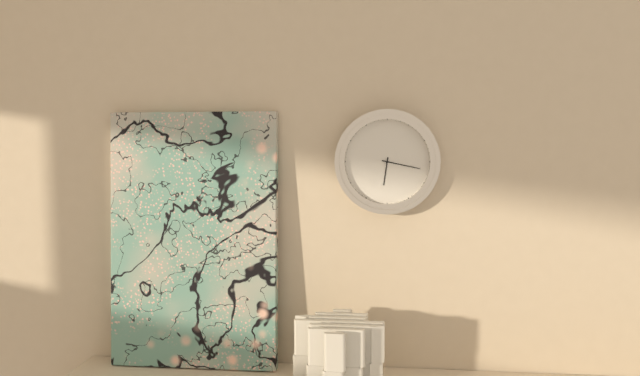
6.17
